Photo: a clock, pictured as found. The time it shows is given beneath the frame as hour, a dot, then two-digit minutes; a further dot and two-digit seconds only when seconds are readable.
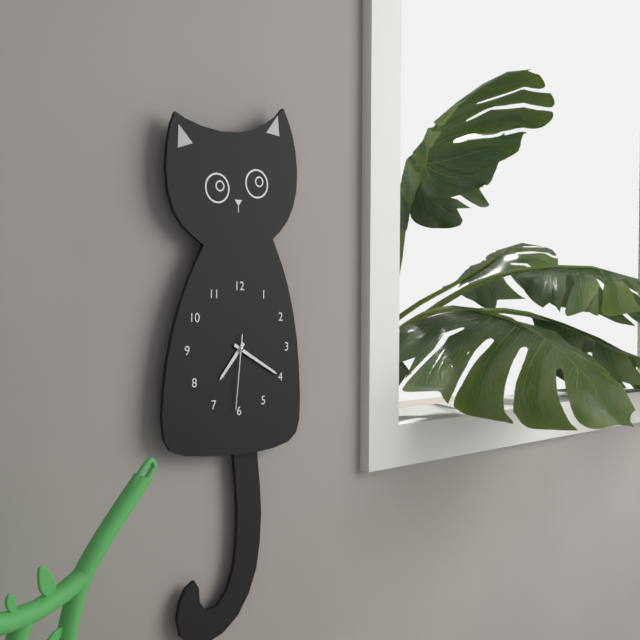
7.20.31
